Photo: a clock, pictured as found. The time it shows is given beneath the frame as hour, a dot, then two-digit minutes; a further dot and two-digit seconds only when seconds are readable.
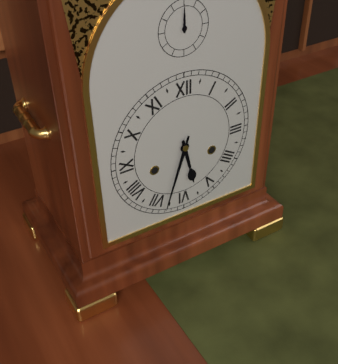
5.33
